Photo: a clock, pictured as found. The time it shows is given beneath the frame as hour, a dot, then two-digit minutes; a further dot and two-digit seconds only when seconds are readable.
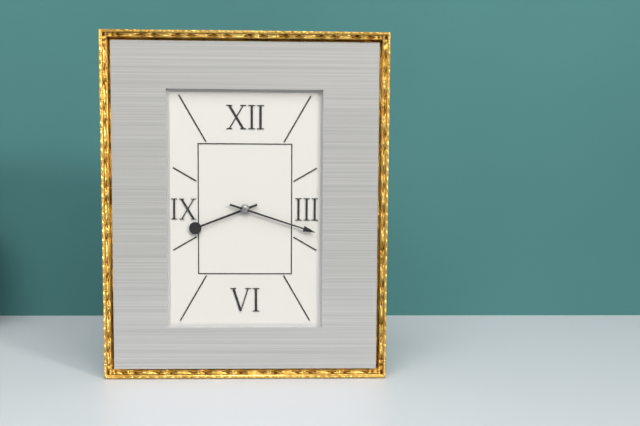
8.18
